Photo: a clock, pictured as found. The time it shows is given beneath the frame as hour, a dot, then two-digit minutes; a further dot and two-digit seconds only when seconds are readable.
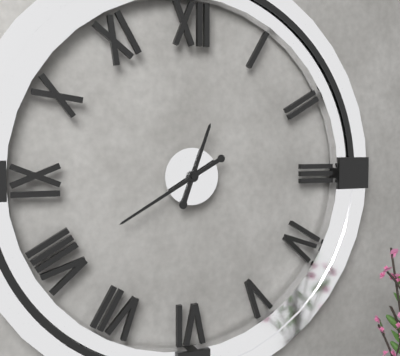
12.40
